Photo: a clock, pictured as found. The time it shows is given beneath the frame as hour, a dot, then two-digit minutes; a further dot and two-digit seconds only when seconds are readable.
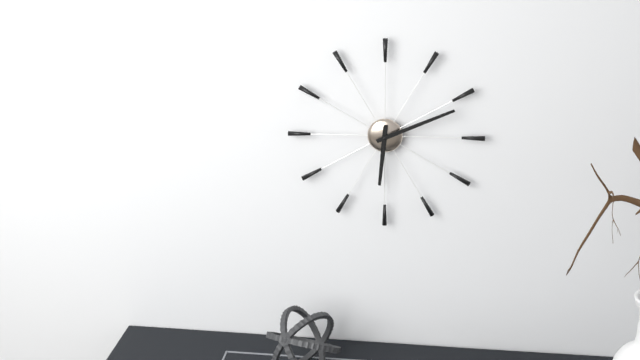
6.11
